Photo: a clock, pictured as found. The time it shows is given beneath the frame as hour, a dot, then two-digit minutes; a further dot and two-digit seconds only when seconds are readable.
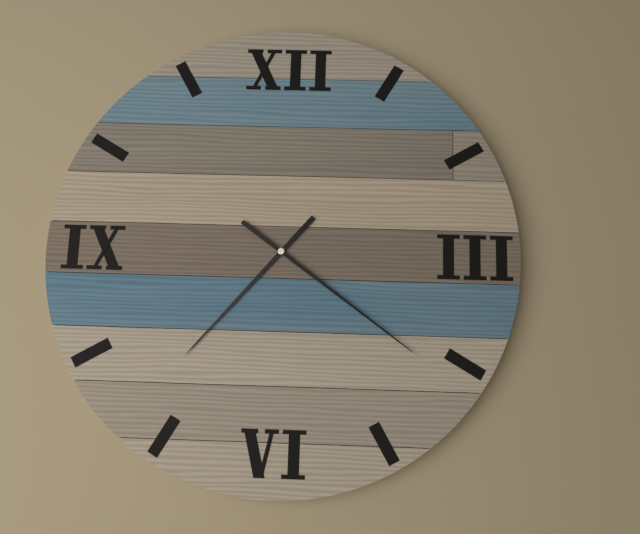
7.21
